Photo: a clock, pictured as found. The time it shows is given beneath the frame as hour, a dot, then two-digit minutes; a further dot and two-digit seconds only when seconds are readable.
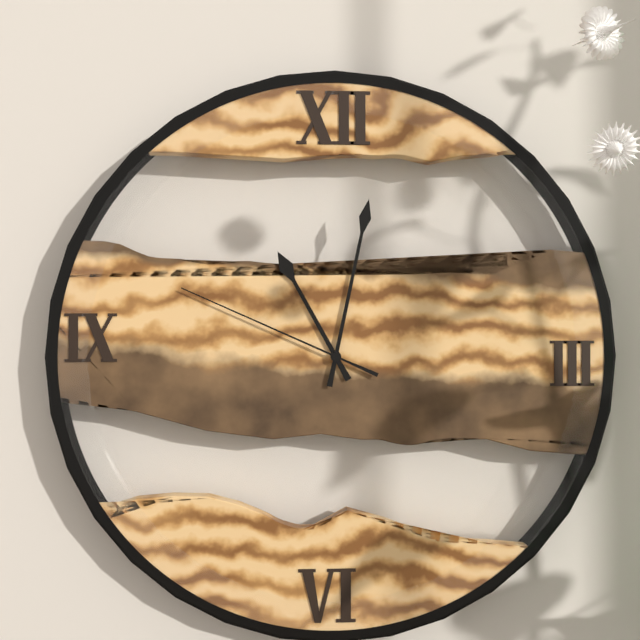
11.02.49
